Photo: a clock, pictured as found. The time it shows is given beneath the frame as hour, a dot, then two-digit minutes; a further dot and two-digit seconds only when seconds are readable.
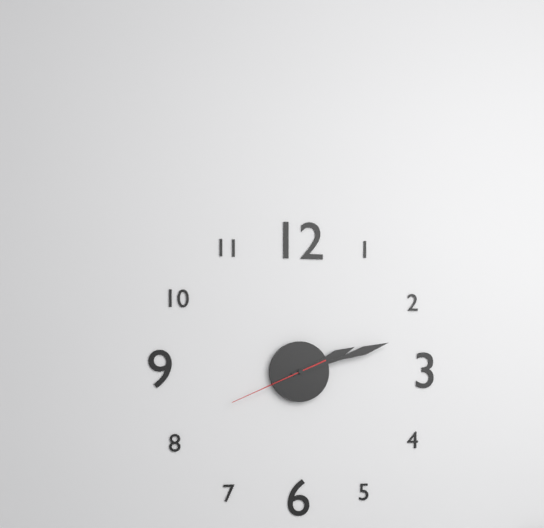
2.12.41
